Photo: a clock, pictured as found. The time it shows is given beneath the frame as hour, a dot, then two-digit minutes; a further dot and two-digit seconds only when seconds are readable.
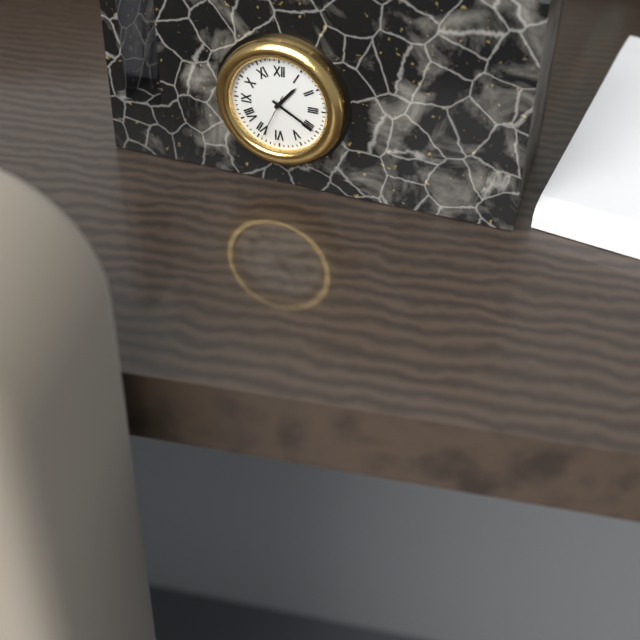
1.20.34
